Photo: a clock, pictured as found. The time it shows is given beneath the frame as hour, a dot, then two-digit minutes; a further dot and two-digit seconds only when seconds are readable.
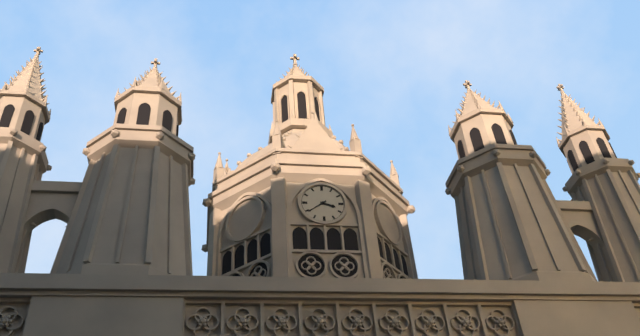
3.39
